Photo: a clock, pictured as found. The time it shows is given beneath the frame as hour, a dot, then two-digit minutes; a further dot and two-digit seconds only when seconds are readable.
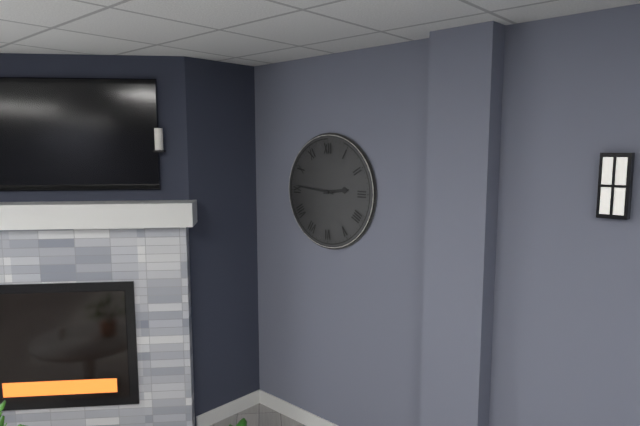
2.46
